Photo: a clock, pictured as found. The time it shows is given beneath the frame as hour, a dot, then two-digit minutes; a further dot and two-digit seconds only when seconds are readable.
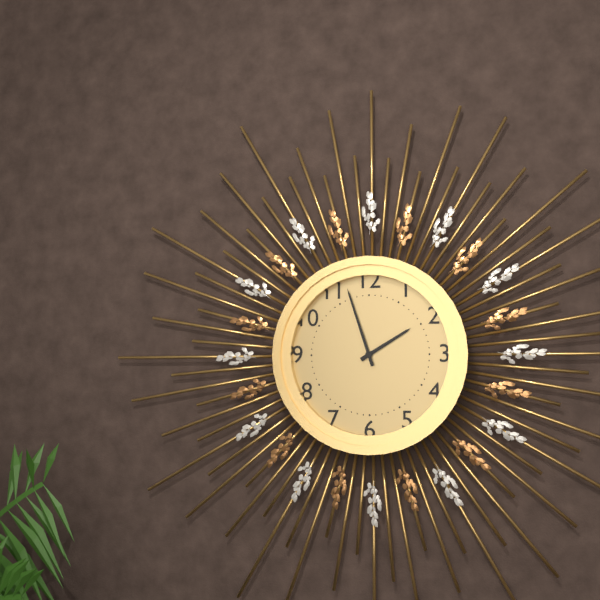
1.57
